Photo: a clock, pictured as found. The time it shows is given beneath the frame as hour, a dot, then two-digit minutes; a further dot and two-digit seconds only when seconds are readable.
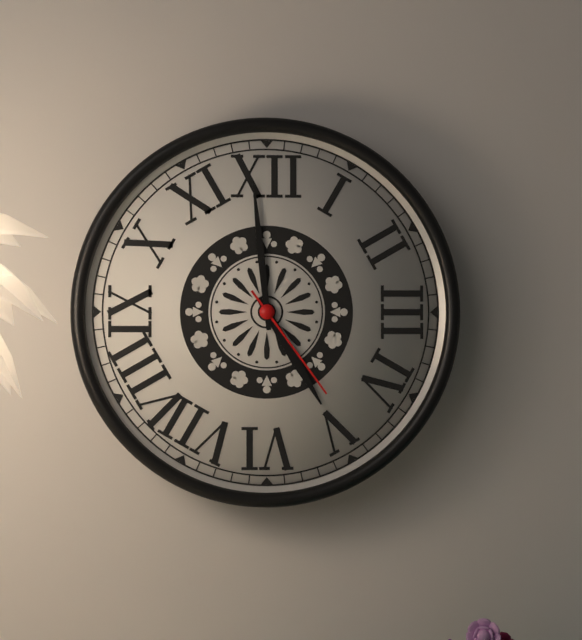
4.59.24
